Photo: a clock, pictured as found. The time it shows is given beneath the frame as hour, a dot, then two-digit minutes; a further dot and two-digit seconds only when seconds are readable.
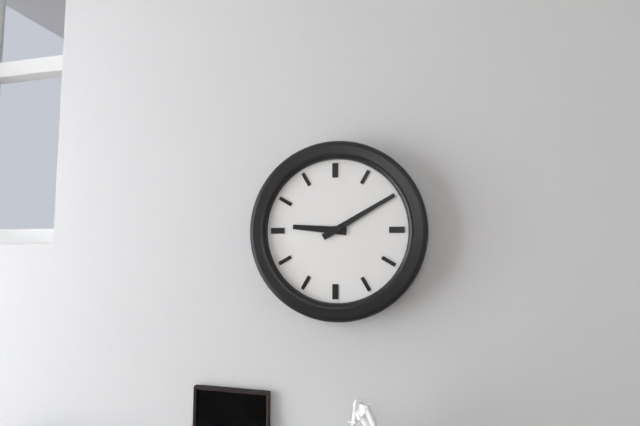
9.10
